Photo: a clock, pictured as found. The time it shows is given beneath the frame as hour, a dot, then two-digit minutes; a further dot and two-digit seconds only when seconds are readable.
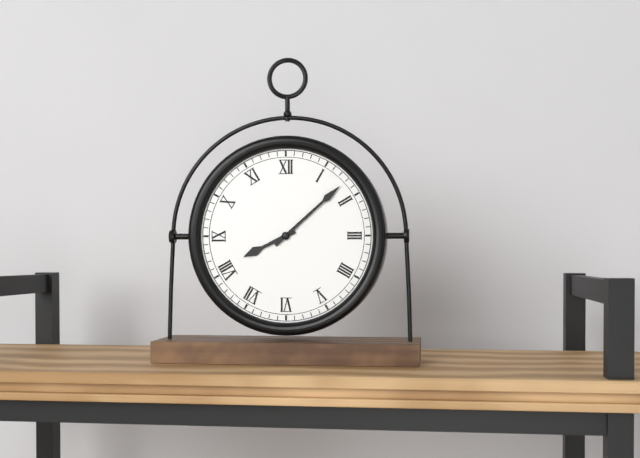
8.08
